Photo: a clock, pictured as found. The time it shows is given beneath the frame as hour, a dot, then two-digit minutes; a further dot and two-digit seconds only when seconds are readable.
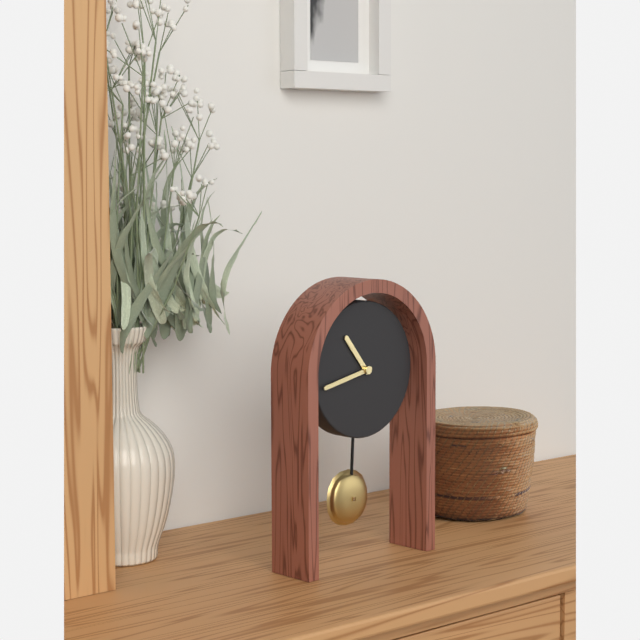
10.43
